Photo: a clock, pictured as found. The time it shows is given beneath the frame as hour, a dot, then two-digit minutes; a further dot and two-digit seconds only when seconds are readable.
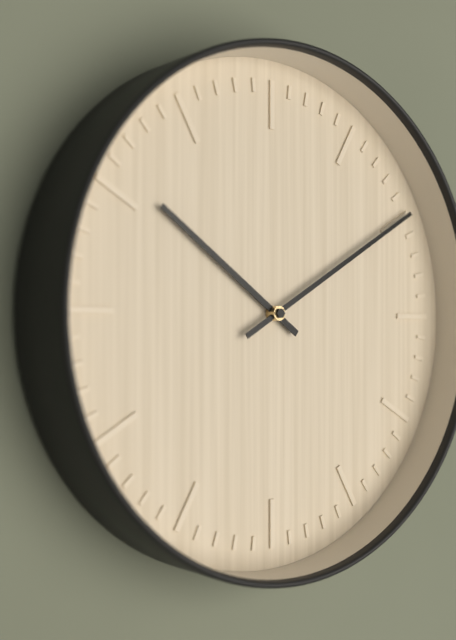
10.10
